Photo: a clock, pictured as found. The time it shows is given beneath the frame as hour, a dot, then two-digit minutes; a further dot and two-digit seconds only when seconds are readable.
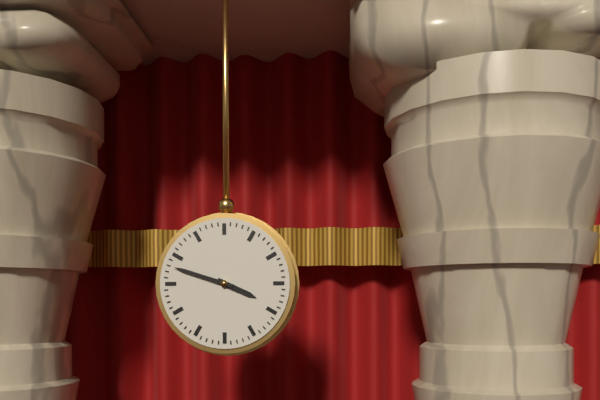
3.48
